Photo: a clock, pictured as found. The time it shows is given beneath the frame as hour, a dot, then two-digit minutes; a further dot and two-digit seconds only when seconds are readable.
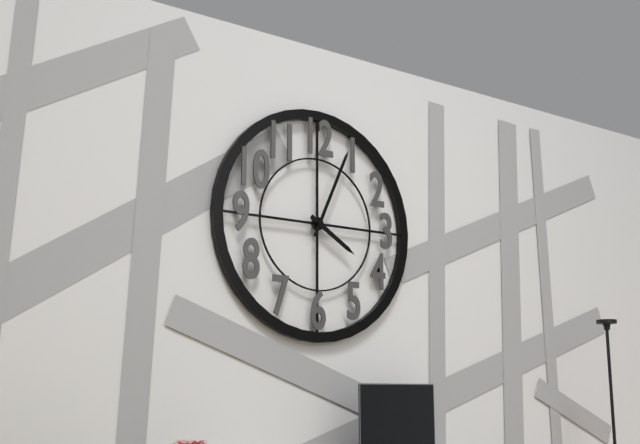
4.04
